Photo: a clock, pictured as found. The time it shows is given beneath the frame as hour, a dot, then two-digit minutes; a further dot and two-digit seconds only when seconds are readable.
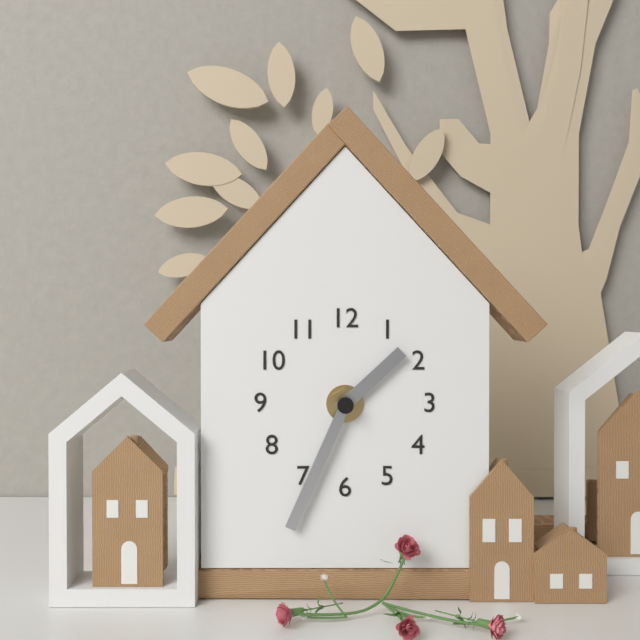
1.34
